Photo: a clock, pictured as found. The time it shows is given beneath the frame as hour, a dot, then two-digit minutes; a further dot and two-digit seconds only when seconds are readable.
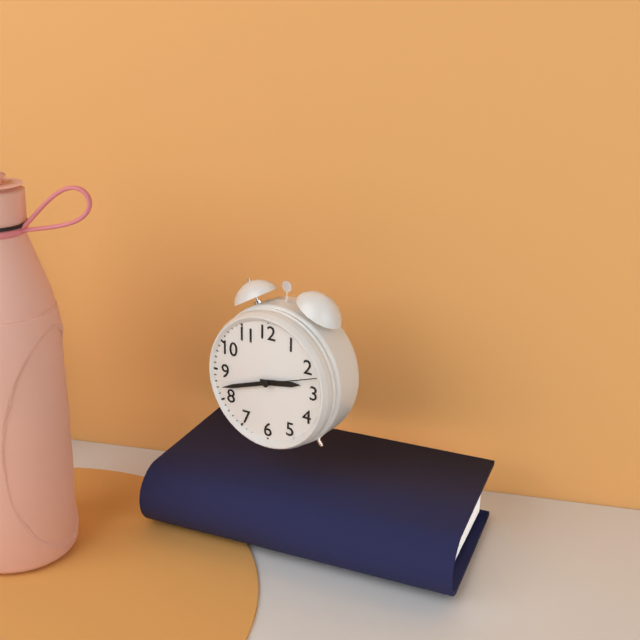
2.42.12
